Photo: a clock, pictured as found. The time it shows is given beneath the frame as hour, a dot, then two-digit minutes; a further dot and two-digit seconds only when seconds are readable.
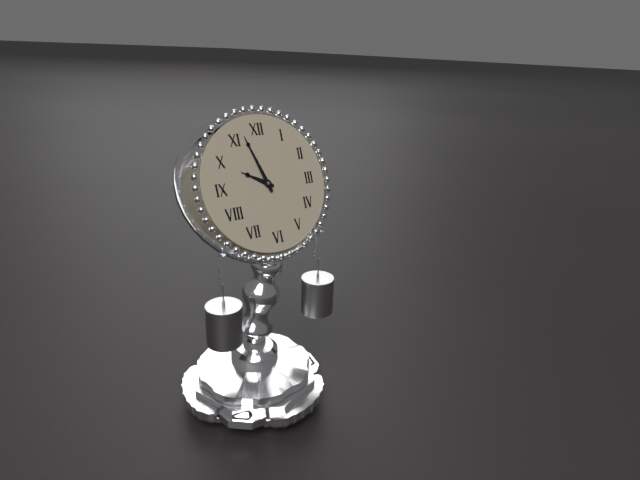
9.57
